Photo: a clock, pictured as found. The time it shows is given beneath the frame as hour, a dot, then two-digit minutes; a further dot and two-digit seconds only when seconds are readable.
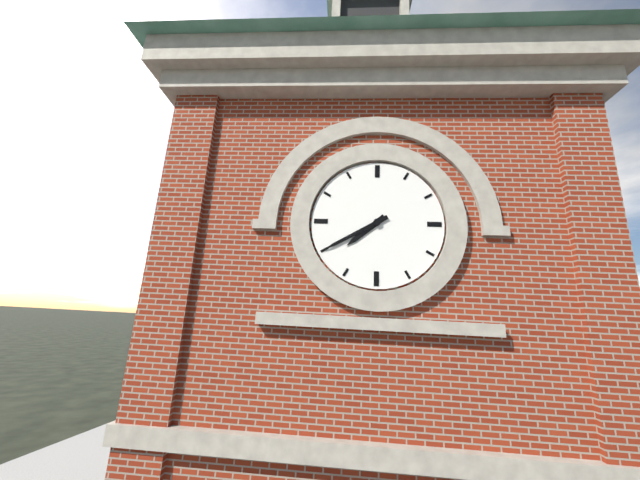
7.40
